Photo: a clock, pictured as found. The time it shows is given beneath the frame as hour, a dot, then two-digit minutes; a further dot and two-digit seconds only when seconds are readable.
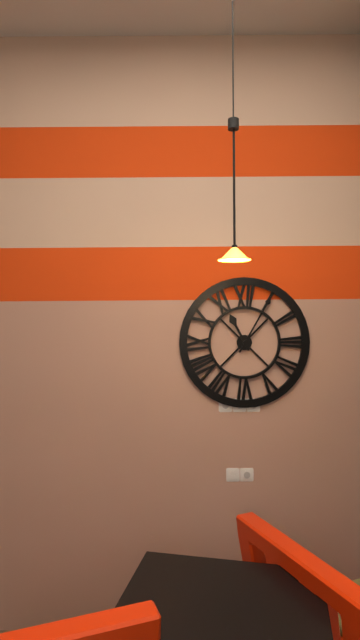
11.05
